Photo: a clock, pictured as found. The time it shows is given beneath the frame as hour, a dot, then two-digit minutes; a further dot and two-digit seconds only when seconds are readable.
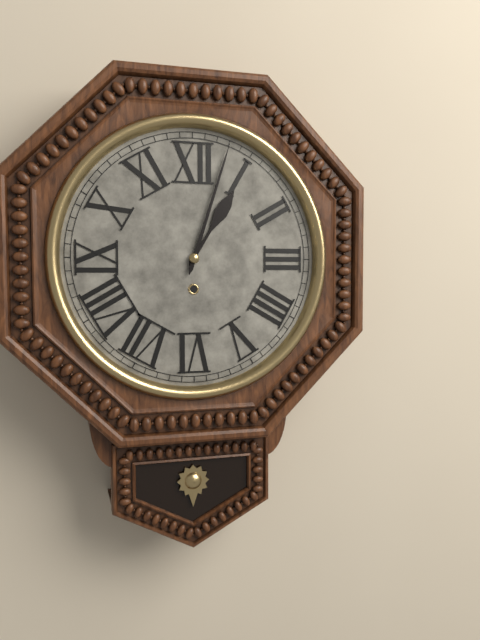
1.03
